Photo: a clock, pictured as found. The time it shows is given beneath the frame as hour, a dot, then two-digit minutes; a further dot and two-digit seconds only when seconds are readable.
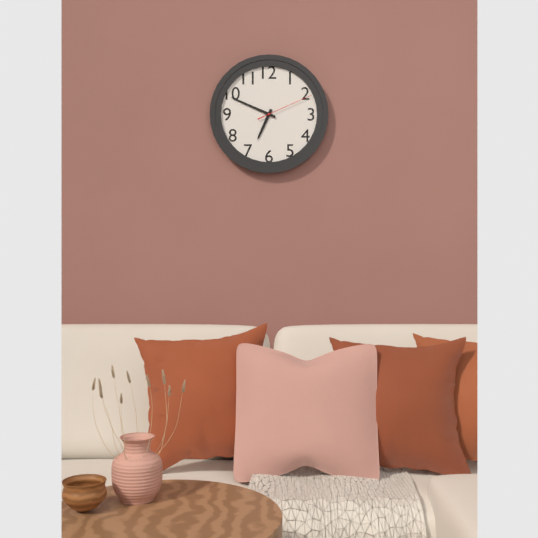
6.49.11
